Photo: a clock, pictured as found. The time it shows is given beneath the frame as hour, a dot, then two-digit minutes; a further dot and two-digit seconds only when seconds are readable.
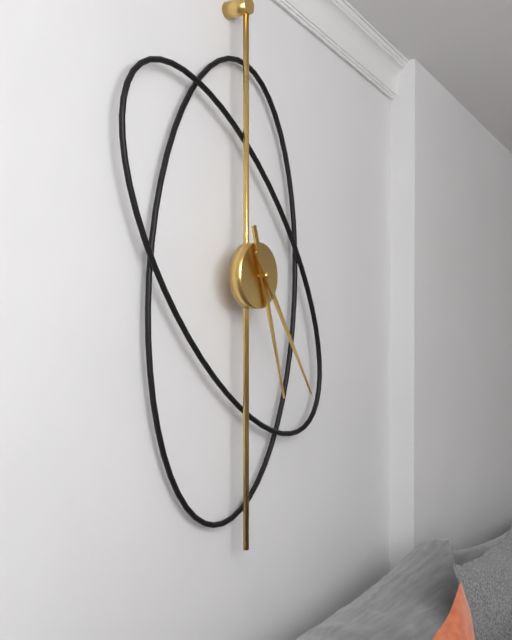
5.24
